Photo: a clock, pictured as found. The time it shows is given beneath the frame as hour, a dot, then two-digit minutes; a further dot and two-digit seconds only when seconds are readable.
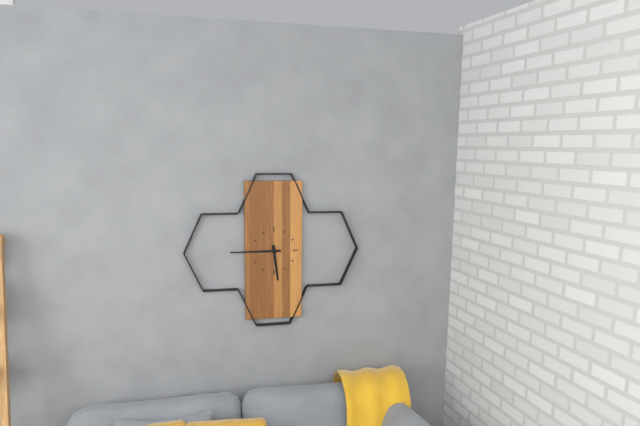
5.45
